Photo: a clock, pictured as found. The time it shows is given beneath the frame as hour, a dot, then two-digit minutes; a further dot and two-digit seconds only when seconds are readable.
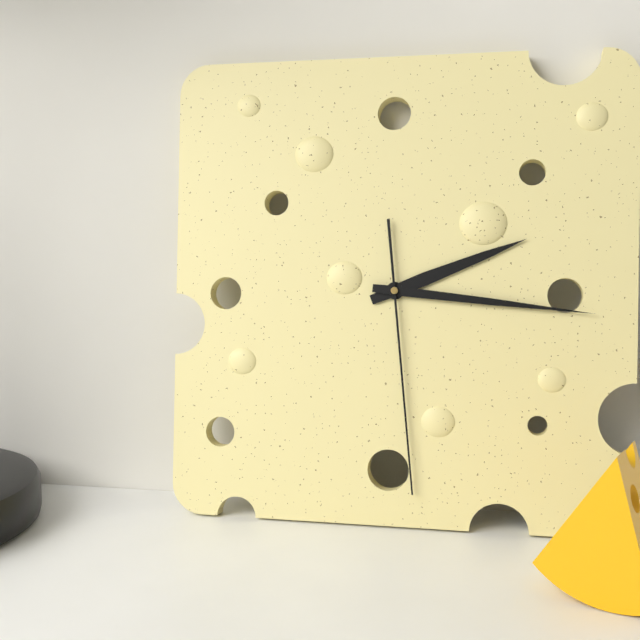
2.16.29
